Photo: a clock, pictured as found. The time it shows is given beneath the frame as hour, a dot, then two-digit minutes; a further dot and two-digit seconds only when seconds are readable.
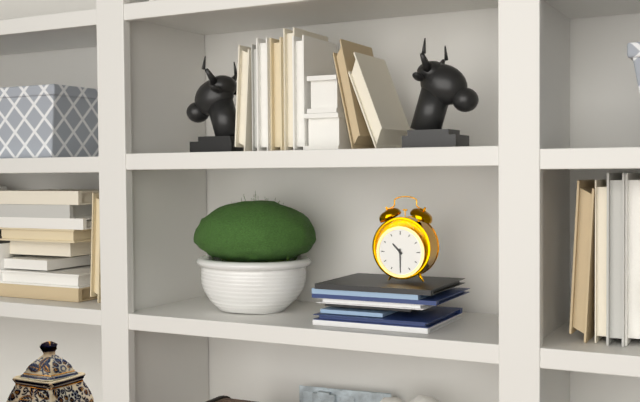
10.30
